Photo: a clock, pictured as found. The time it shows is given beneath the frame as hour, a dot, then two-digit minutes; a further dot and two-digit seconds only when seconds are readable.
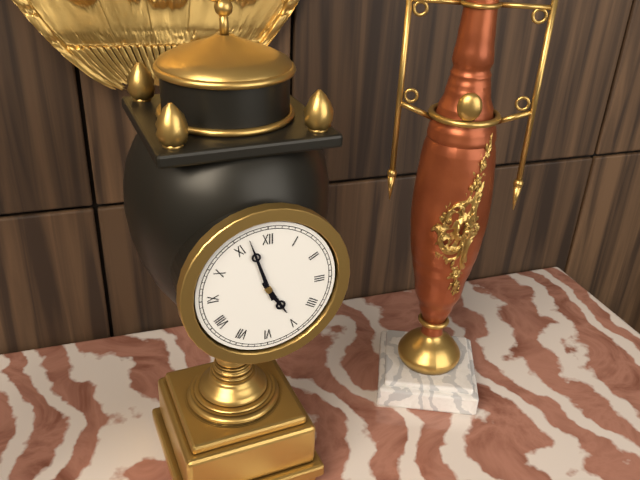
4.57
